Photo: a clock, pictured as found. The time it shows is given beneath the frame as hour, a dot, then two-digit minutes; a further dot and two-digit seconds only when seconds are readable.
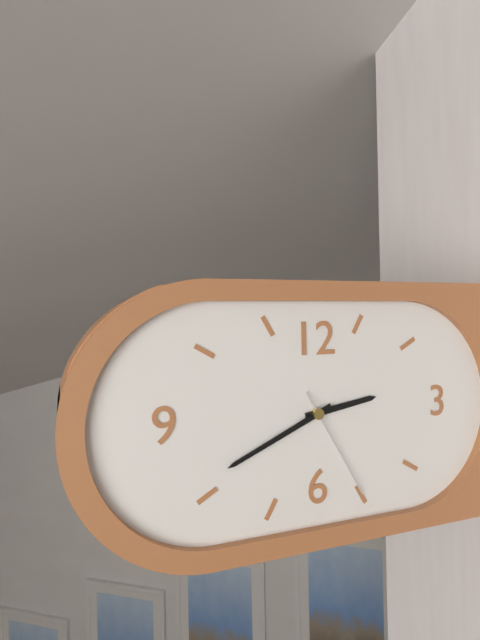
2.41.25
